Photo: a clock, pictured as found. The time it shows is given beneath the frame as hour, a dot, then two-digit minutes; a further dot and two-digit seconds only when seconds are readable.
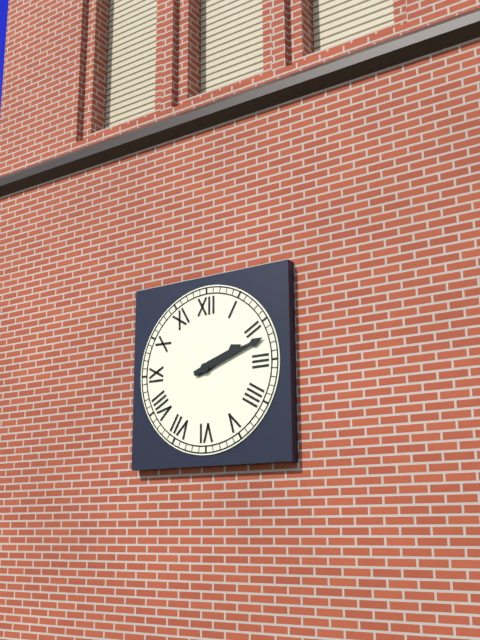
2.12
